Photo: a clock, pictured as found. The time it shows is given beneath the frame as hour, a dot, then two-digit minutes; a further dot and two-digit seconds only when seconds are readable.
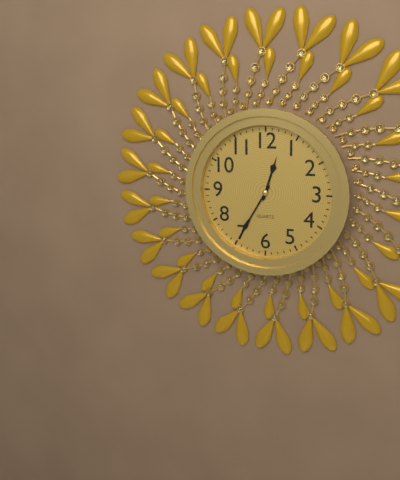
12.35
